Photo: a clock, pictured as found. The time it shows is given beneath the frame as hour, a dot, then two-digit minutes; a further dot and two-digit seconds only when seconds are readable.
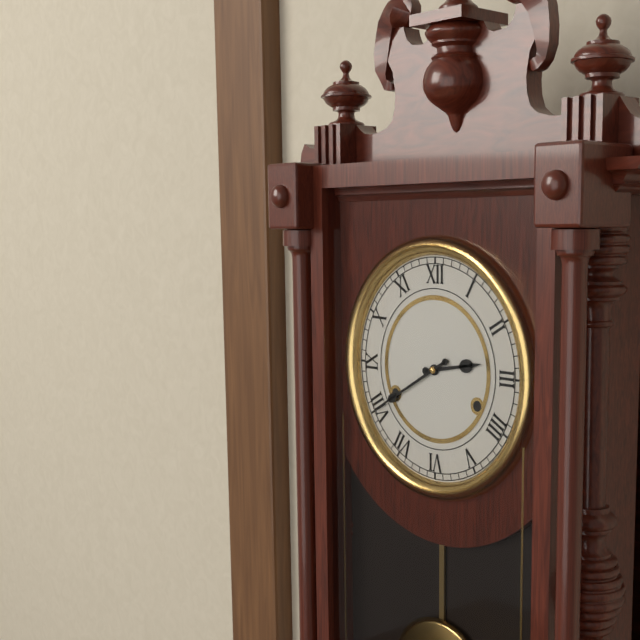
2.40
